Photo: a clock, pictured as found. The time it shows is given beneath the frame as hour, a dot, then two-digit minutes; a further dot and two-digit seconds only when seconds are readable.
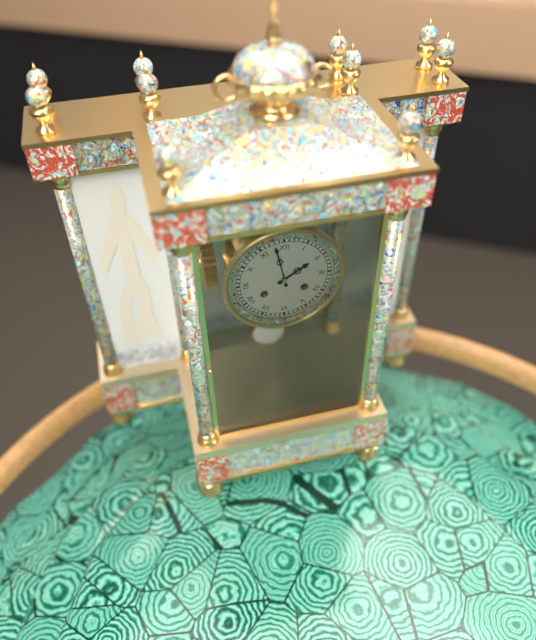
1.58
